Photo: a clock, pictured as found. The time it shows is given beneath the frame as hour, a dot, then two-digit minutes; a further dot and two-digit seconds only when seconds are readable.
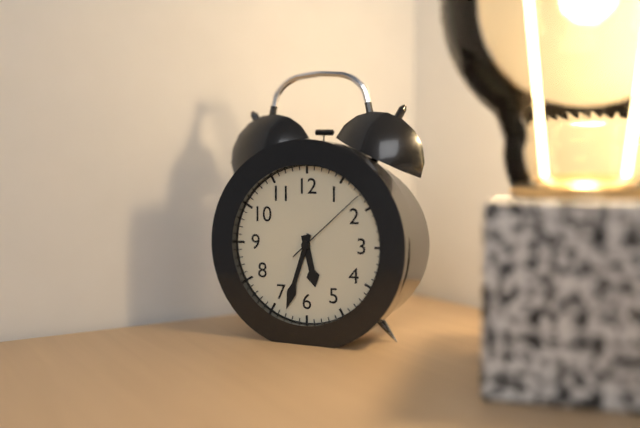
5.33.08
